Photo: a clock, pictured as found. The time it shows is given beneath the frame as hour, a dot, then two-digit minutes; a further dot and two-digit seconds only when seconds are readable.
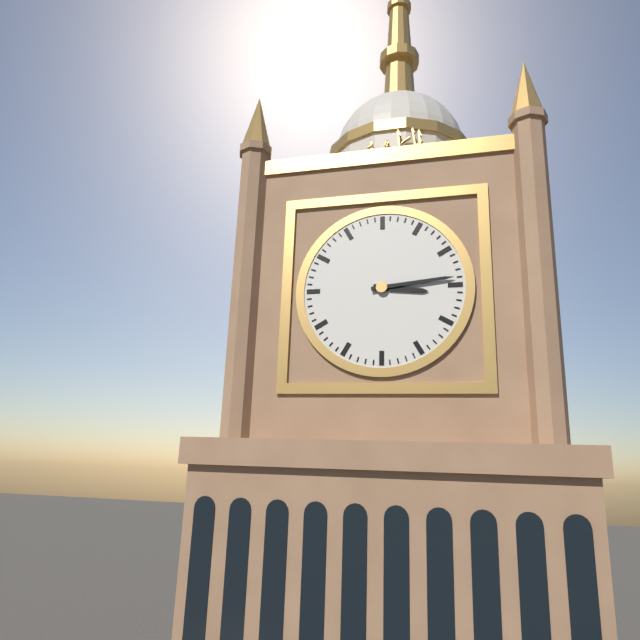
3.14
